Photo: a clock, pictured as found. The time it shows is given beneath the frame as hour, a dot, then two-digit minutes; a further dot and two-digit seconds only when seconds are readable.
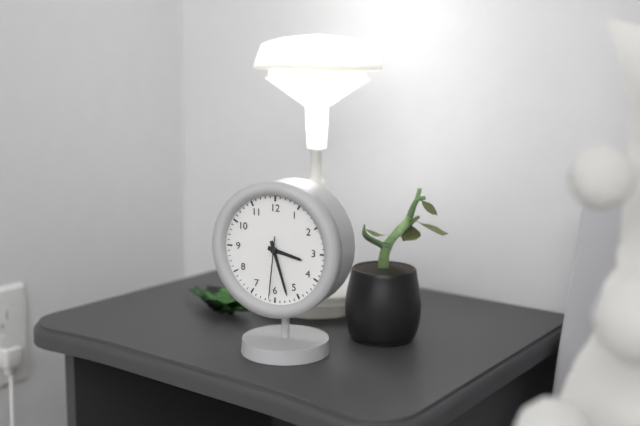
3.27.31
